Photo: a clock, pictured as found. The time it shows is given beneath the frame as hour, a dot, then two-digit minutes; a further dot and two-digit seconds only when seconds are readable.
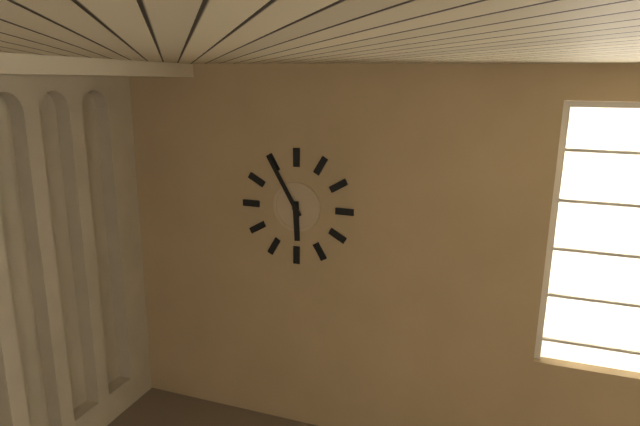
5.55
